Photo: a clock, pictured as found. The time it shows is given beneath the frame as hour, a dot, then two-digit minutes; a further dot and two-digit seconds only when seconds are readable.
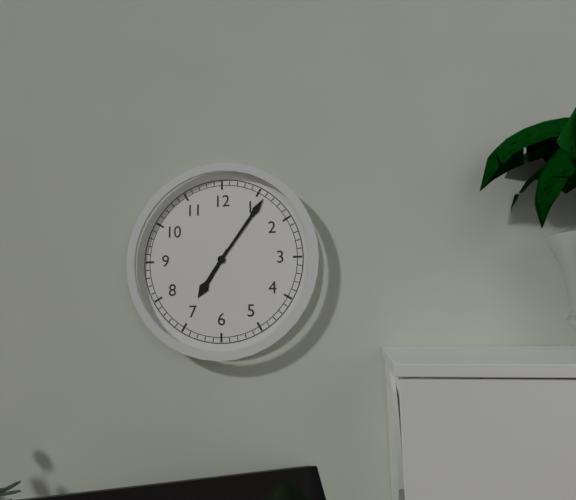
7.06
